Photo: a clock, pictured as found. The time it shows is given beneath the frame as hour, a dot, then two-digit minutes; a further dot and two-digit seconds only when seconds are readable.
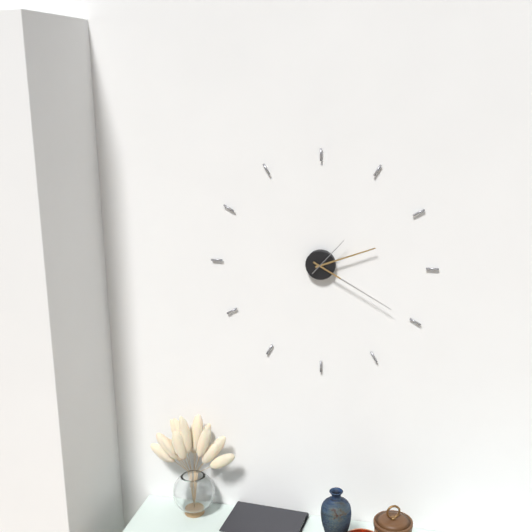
2.20
